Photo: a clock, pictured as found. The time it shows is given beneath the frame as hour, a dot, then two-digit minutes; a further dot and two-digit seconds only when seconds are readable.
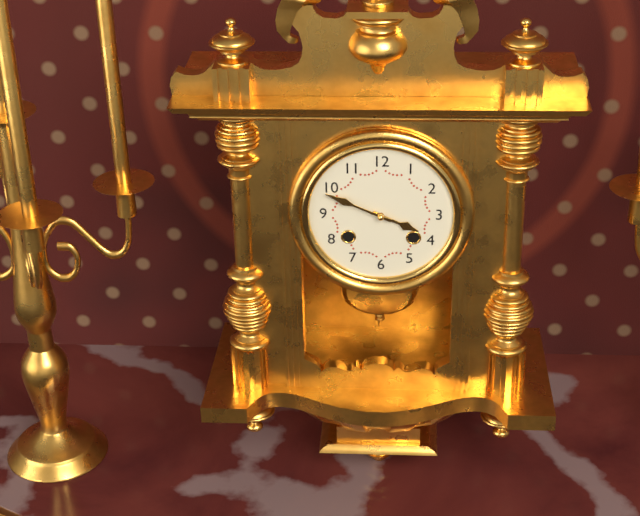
3.49
